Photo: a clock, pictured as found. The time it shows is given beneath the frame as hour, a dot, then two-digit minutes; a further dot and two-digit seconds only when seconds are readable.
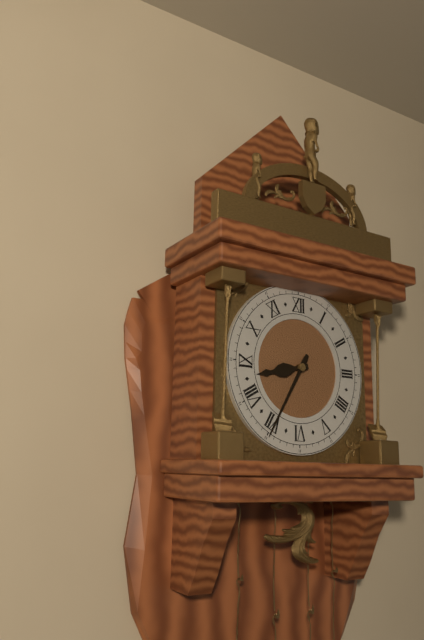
8.35
